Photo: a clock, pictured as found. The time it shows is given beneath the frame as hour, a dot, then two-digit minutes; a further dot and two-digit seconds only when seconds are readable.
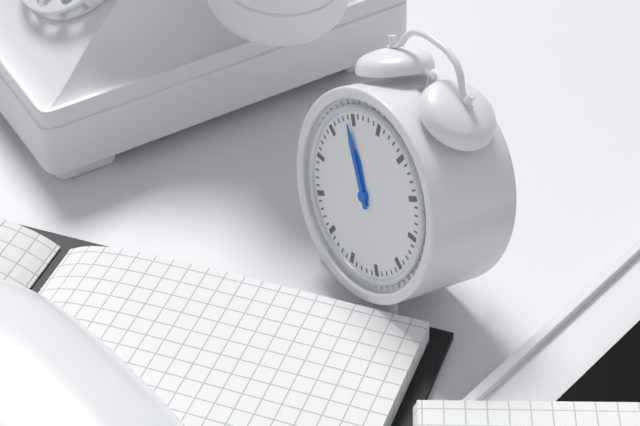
10.54
